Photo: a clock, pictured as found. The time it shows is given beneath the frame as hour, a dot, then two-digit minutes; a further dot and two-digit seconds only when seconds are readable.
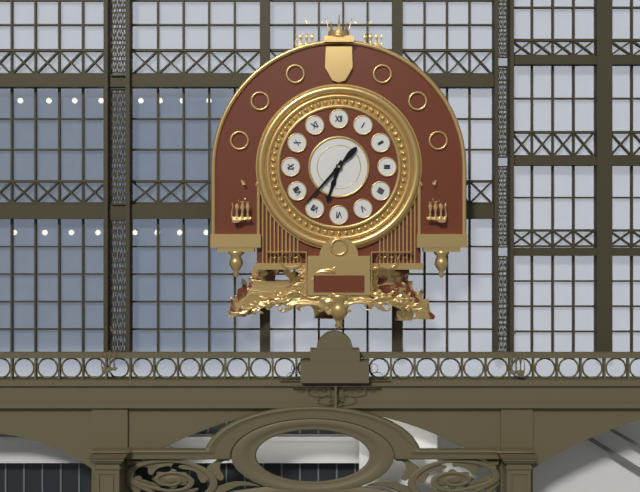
6.37
